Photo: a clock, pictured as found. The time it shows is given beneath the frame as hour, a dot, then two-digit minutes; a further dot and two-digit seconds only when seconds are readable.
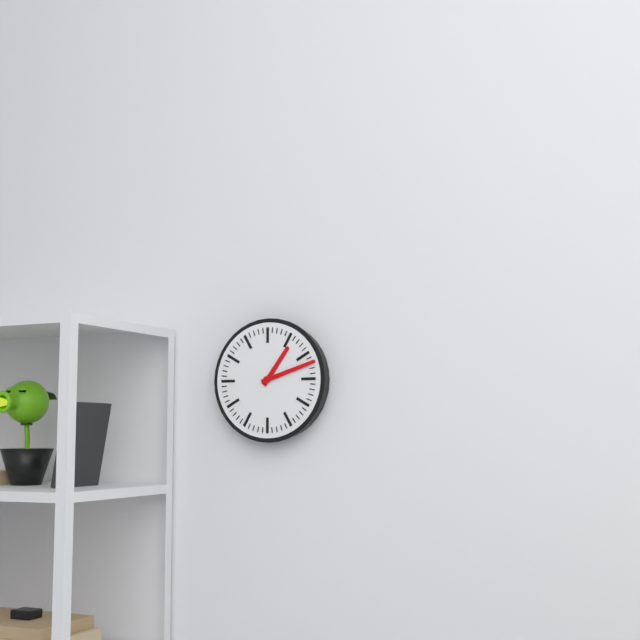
1.12
